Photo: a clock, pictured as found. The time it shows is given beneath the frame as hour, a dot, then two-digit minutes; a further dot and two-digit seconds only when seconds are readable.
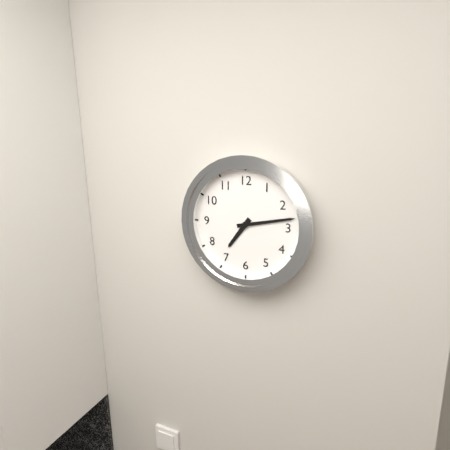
7.13
